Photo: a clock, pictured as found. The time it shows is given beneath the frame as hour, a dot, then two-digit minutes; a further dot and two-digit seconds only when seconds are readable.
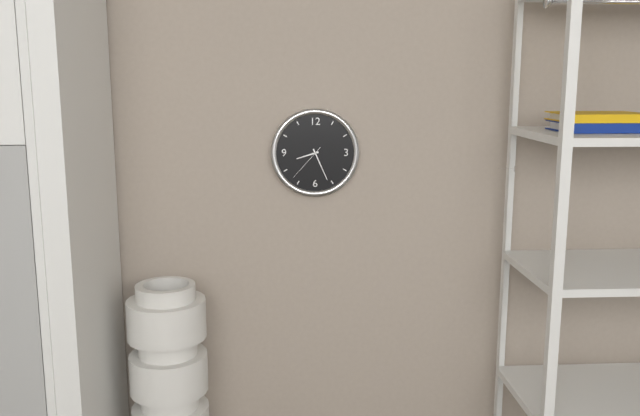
8.26
